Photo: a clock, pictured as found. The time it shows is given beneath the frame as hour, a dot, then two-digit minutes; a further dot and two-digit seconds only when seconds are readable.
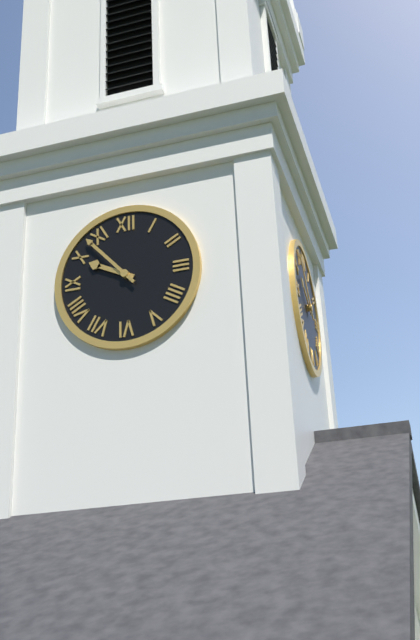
9.53
